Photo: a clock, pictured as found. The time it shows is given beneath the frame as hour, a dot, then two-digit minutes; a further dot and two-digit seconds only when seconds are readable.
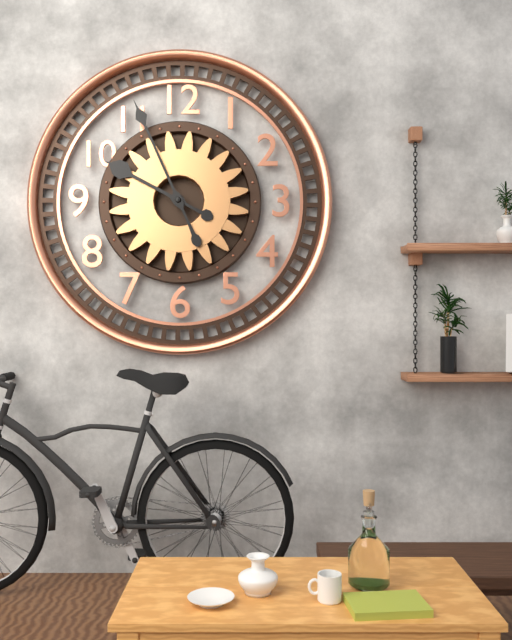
9.56
